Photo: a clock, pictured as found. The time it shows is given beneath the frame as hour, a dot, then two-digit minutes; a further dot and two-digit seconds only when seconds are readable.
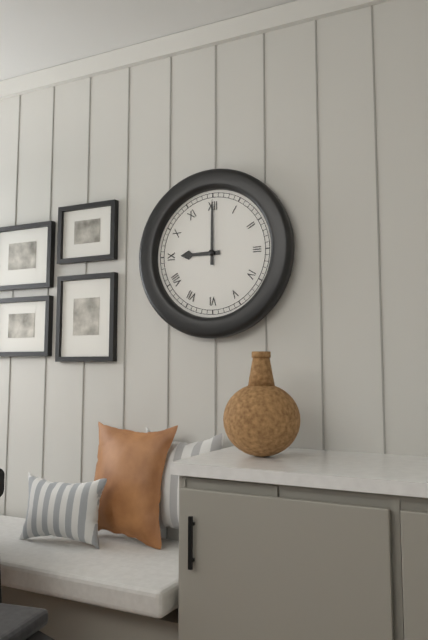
9.00
